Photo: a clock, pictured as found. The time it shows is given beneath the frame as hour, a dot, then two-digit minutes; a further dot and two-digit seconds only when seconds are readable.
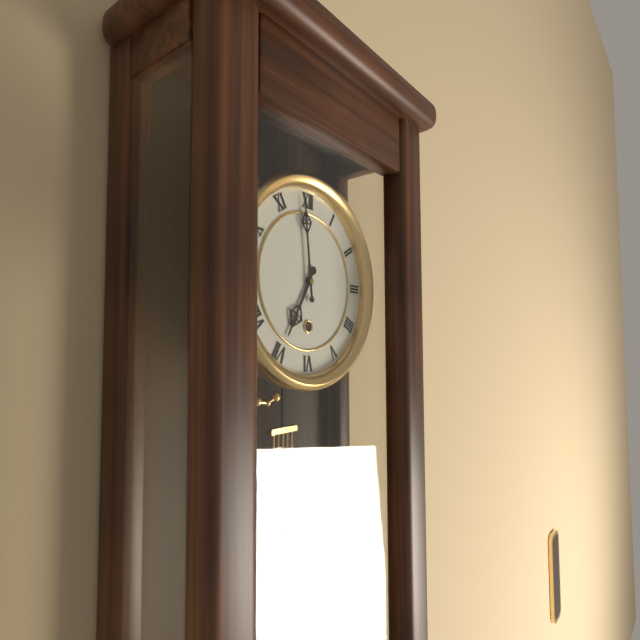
6.59
